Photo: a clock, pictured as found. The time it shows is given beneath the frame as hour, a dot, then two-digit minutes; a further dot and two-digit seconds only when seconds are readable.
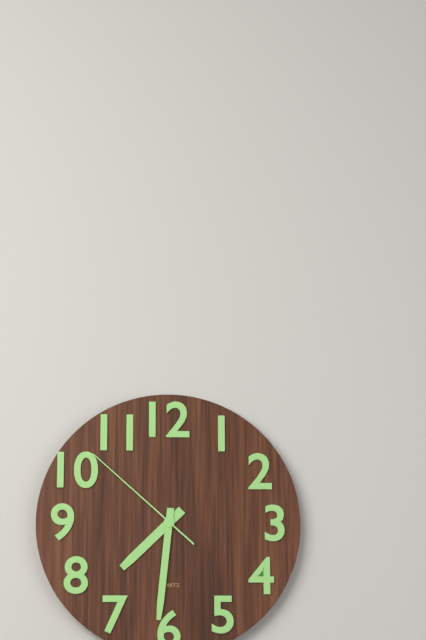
7.31.52
